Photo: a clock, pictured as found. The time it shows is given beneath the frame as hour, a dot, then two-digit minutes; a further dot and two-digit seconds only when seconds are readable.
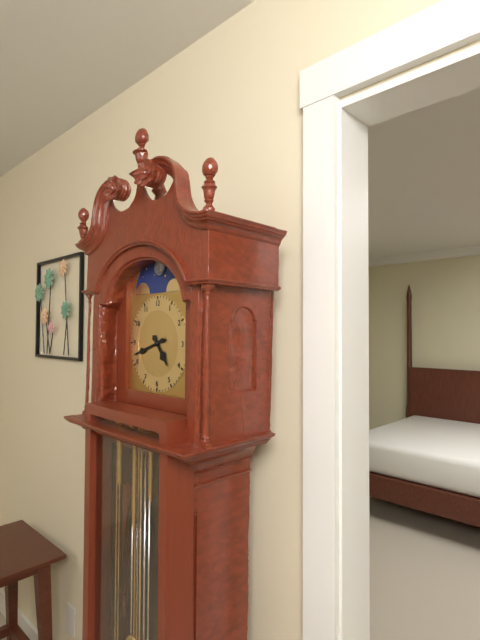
4.42
